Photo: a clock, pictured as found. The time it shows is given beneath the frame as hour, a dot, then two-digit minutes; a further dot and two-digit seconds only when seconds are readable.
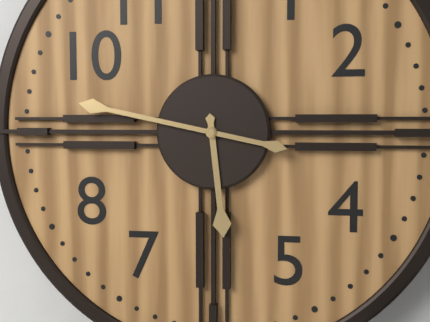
5.47
